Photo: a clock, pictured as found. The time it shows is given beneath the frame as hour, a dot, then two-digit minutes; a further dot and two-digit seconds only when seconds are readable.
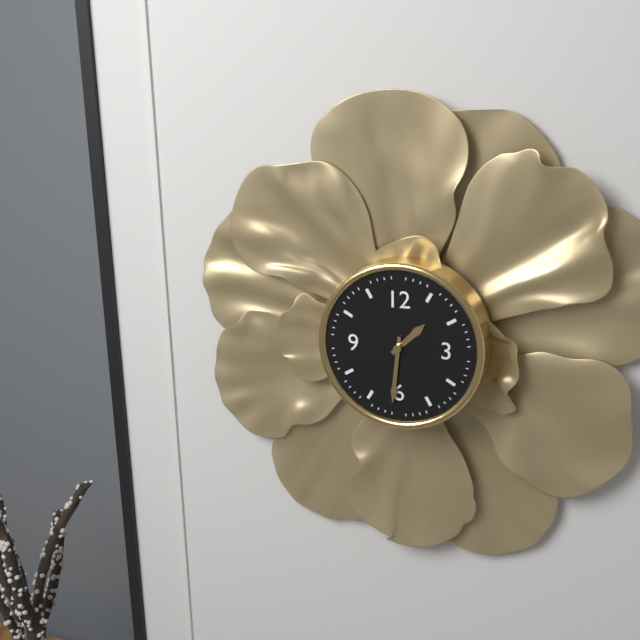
1.31
